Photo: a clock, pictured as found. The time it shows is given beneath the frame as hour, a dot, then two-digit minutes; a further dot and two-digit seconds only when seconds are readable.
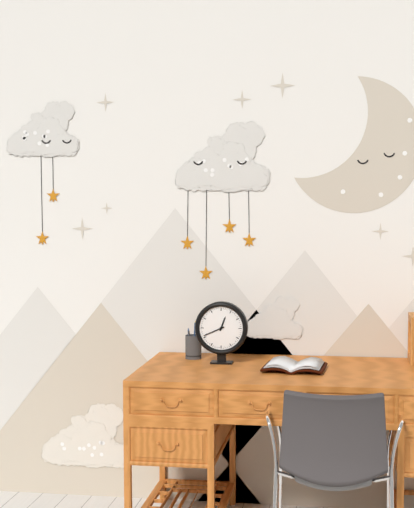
12.41
